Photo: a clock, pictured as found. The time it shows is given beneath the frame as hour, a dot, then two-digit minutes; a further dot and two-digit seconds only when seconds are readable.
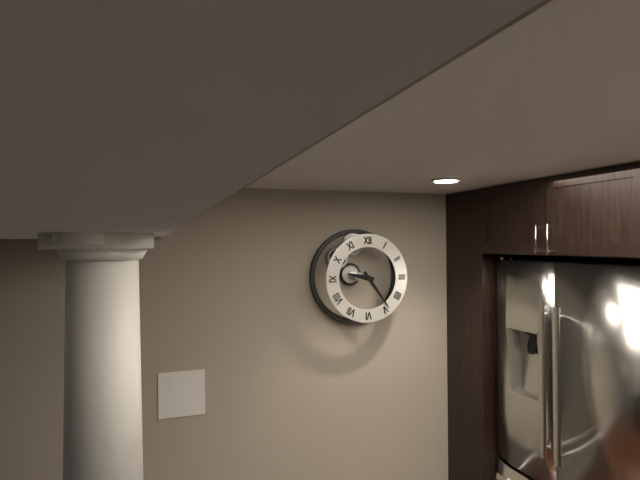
9.24
